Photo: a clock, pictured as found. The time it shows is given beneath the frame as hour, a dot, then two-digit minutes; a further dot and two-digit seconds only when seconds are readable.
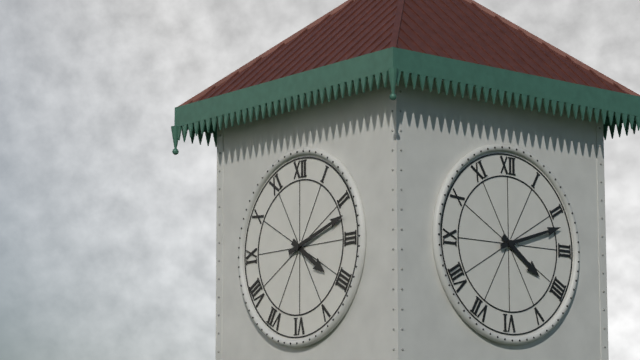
4.12
